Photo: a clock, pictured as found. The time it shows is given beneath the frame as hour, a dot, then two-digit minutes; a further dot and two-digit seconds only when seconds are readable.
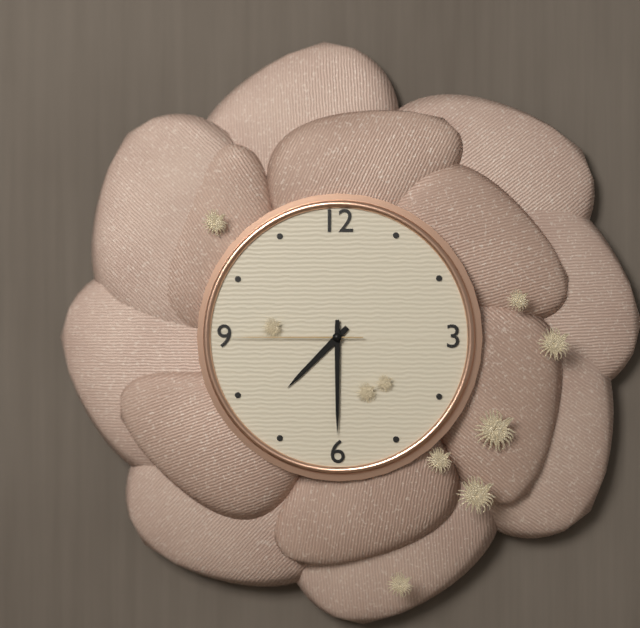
7.30.45
